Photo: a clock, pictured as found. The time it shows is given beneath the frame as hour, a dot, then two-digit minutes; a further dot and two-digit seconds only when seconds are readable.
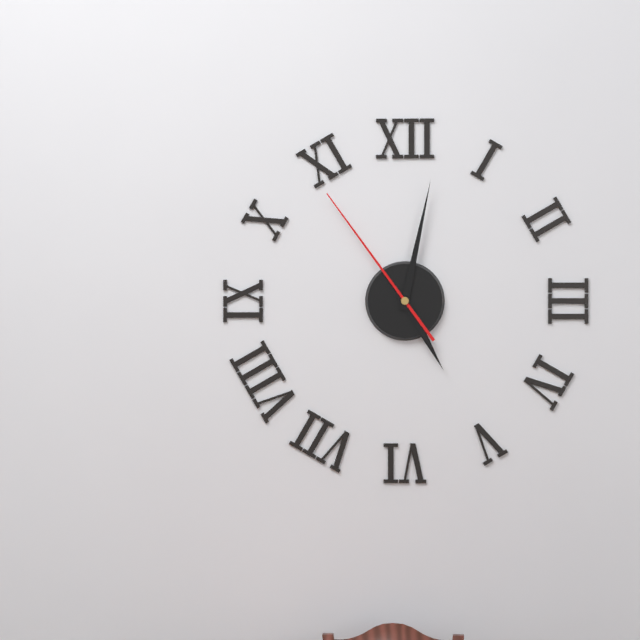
5.02.54
